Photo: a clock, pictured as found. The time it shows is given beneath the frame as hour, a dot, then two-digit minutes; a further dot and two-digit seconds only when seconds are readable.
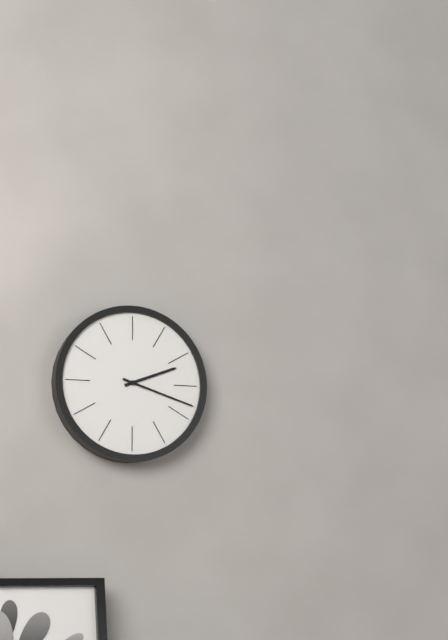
2.18
